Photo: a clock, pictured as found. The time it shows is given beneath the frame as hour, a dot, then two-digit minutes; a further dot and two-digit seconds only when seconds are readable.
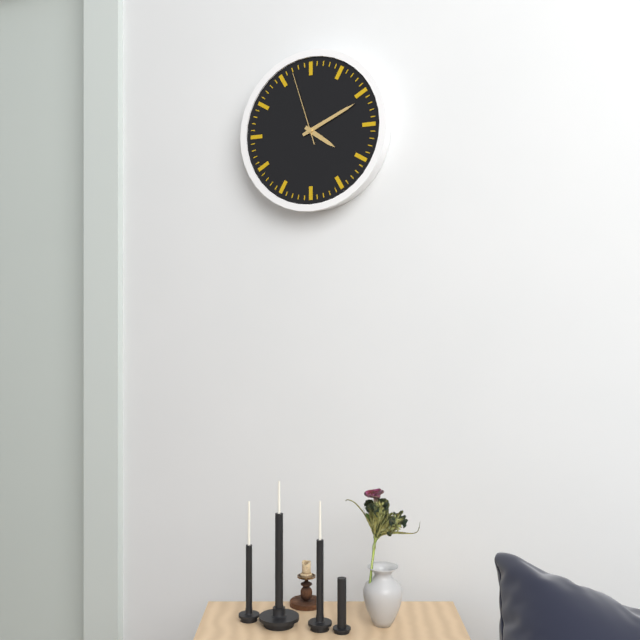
4.11.57
